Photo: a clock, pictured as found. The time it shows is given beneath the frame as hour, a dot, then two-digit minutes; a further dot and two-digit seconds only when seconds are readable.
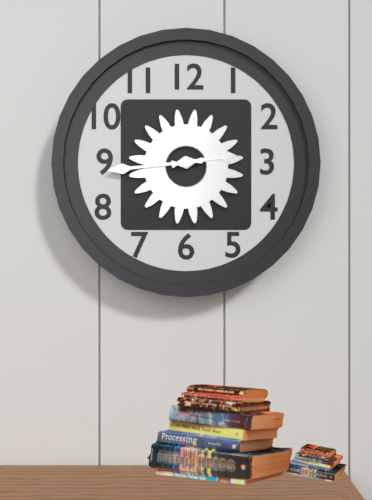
2.44
